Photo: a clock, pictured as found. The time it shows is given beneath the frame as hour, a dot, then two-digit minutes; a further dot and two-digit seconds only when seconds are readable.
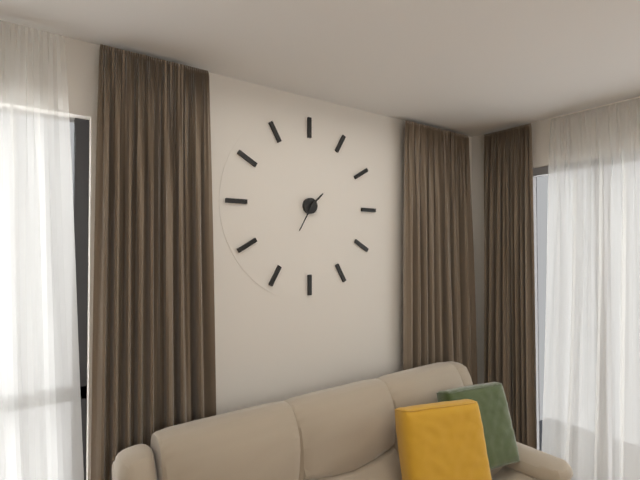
1.35
